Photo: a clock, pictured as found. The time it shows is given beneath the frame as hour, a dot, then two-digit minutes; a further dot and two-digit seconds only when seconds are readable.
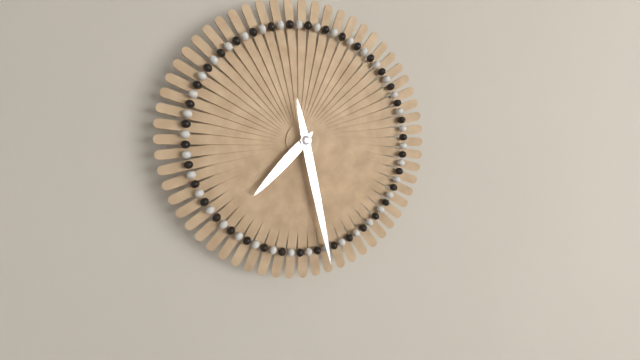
7.28
